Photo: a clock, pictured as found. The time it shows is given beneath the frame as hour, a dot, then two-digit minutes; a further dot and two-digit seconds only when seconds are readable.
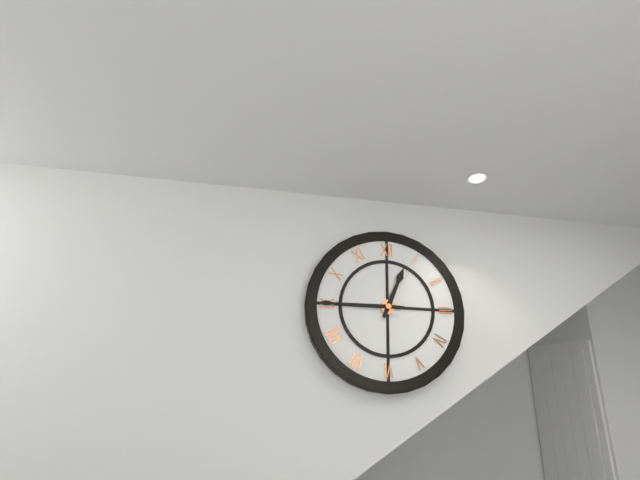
12.45
